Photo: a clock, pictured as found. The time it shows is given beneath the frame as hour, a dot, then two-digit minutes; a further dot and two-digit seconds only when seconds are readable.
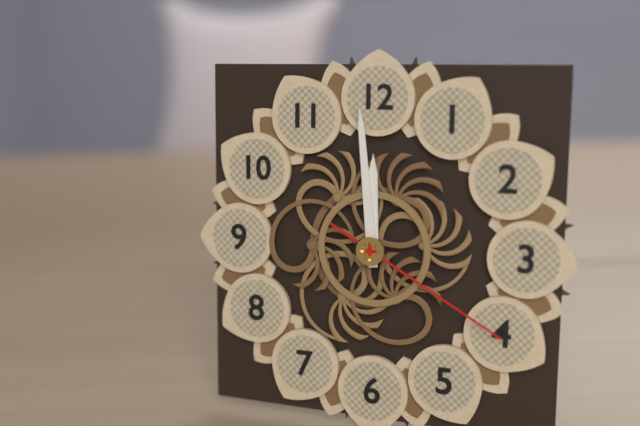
11.59.20
